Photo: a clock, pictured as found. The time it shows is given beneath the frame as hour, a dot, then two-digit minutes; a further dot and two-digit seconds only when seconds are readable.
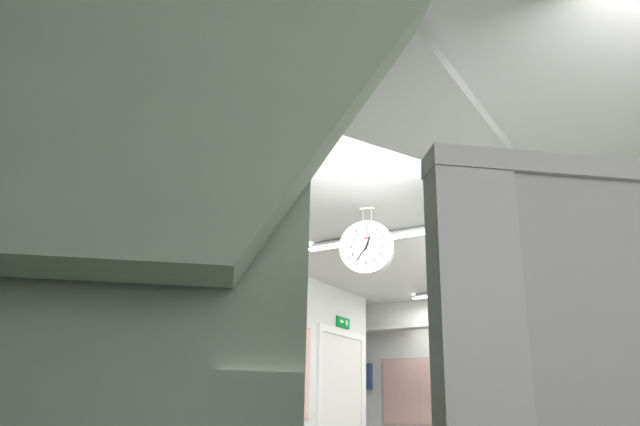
12.36
